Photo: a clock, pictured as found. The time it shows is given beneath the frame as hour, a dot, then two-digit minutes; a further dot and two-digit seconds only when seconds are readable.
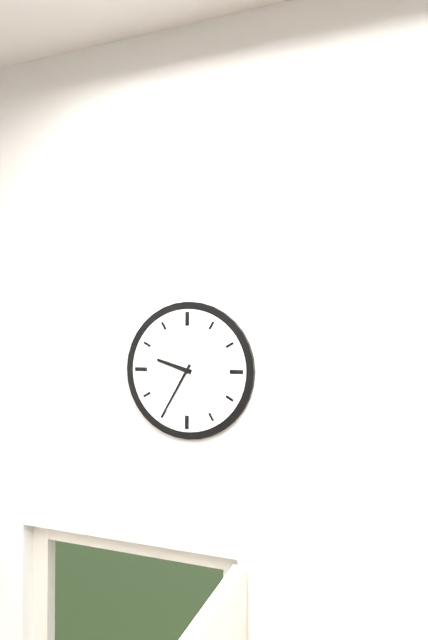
9.35
